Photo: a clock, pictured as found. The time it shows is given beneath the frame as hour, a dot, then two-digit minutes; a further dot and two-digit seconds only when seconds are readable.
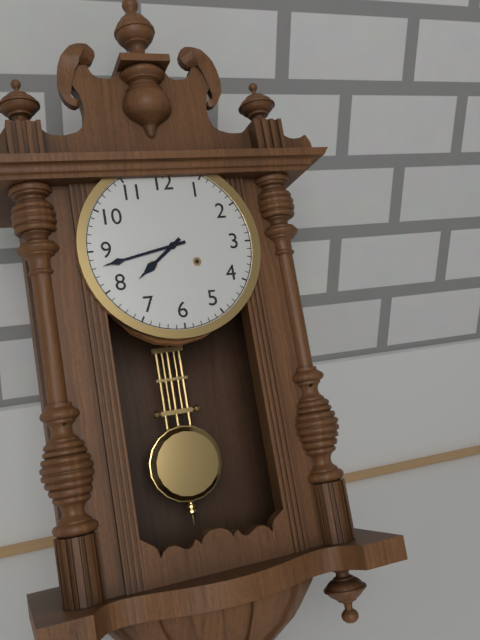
7.43
